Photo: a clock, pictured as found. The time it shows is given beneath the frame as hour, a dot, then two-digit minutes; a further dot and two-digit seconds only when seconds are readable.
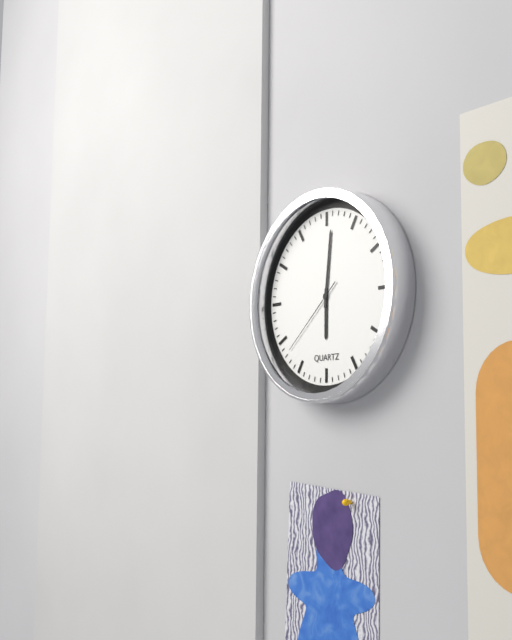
6.01.38
